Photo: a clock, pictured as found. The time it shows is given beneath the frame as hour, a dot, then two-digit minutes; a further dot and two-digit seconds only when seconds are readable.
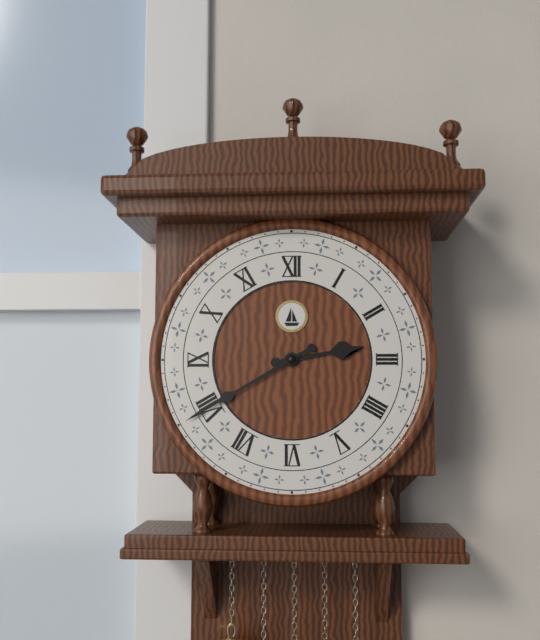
2.40
